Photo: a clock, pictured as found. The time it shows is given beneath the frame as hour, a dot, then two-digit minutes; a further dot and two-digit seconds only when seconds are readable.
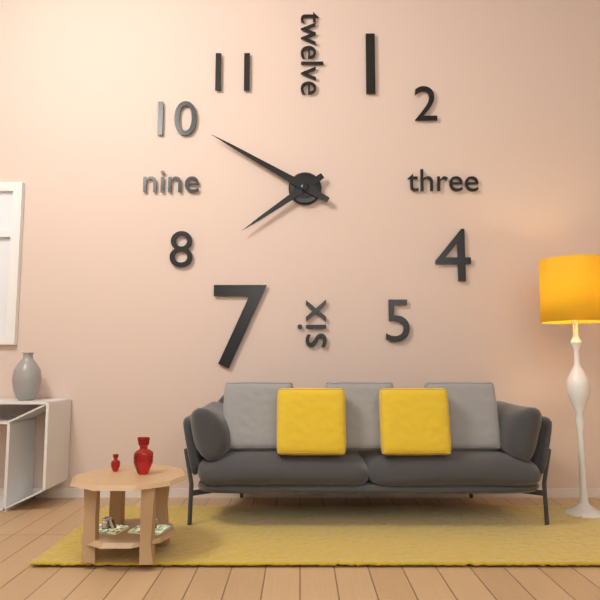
7.50
